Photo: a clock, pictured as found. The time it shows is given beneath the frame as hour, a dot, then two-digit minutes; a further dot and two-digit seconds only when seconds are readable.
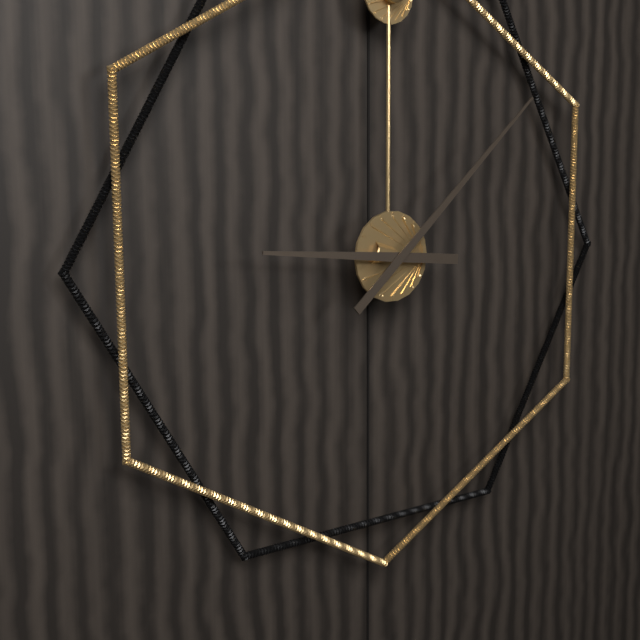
9.08
